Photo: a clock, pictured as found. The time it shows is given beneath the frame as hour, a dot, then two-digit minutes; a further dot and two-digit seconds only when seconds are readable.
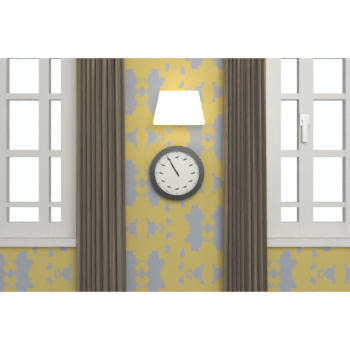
10.55
